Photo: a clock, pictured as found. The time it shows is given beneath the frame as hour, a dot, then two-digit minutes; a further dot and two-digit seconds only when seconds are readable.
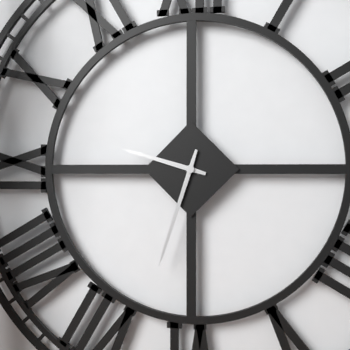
9.33
